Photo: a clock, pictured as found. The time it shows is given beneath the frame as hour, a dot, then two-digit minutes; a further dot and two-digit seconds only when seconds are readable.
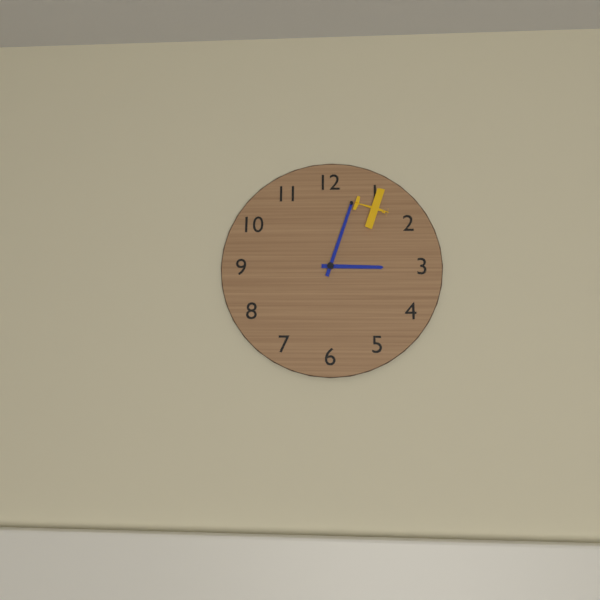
3.03
